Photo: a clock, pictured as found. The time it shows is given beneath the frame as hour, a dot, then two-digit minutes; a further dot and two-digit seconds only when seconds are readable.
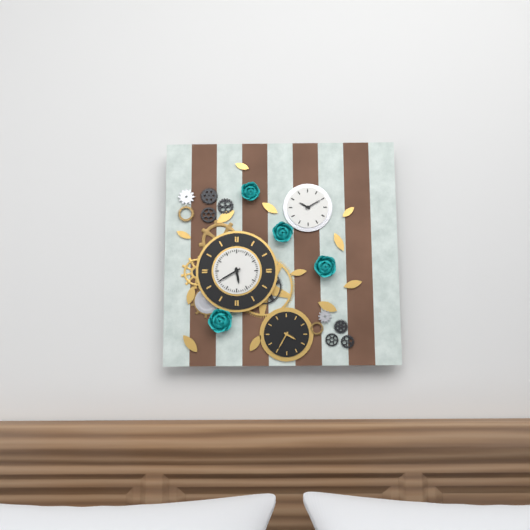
5.40
